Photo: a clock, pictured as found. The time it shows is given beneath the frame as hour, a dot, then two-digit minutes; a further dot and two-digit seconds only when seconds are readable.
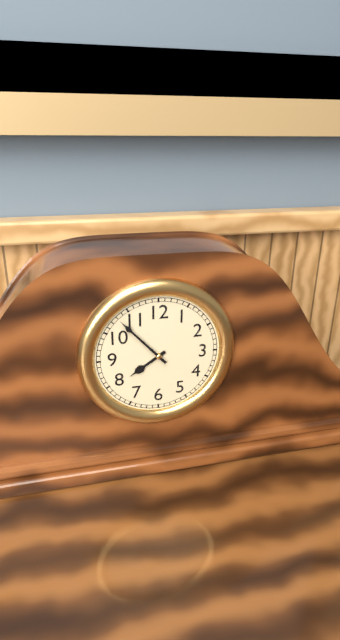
7.53
